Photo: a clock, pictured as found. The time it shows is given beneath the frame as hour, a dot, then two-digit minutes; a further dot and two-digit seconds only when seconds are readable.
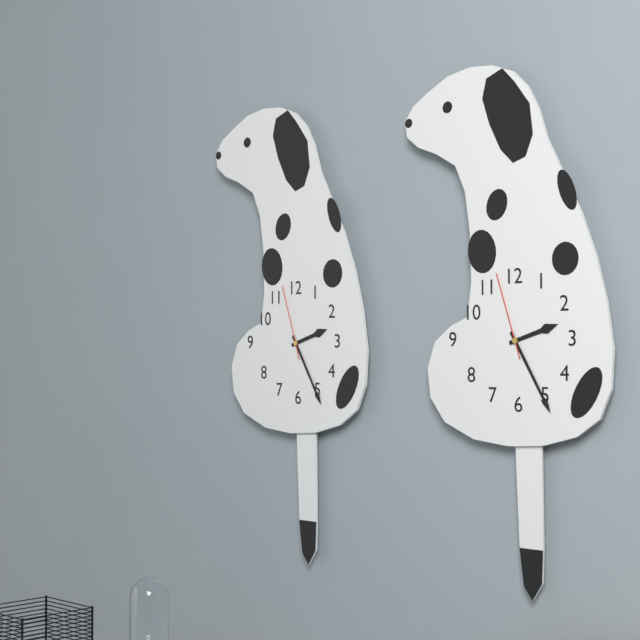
2.25.57
